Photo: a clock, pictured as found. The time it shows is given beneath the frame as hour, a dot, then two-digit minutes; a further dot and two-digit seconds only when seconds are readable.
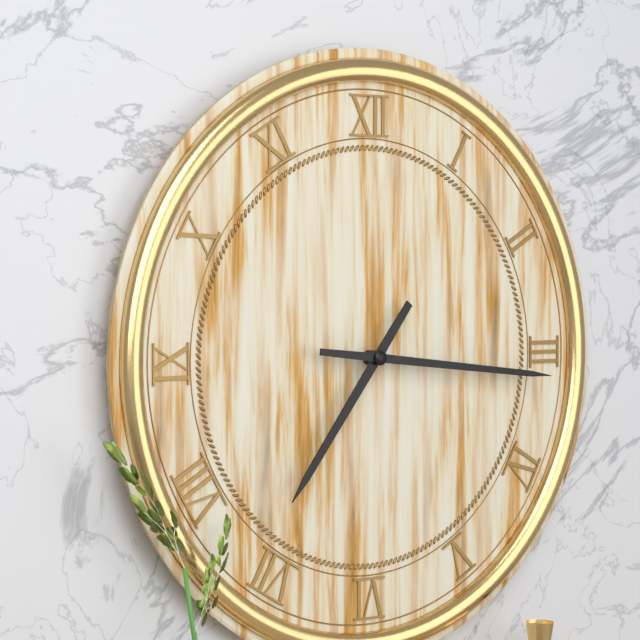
7.16
